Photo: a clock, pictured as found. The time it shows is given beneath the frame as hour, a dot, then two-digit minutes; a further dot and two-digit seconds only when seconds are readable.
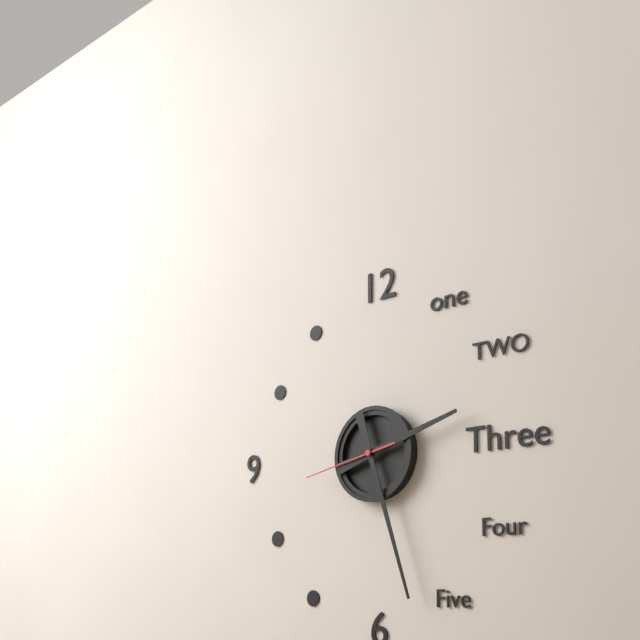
2.27.43
